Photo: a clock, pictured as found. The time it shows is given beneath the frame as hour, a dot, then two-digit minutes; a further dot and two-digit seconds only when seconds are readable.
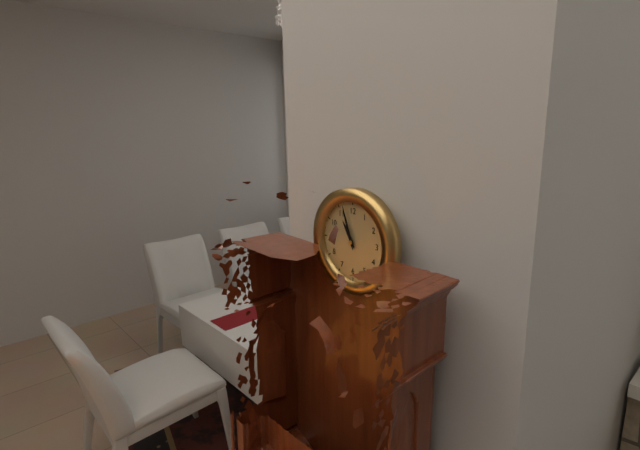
10.57
